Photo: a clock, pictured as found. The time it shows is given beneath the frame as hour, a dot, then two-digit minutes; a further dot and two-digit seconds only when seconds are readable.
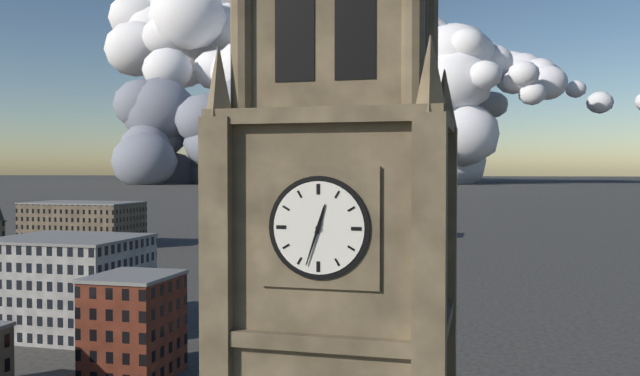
12.33
